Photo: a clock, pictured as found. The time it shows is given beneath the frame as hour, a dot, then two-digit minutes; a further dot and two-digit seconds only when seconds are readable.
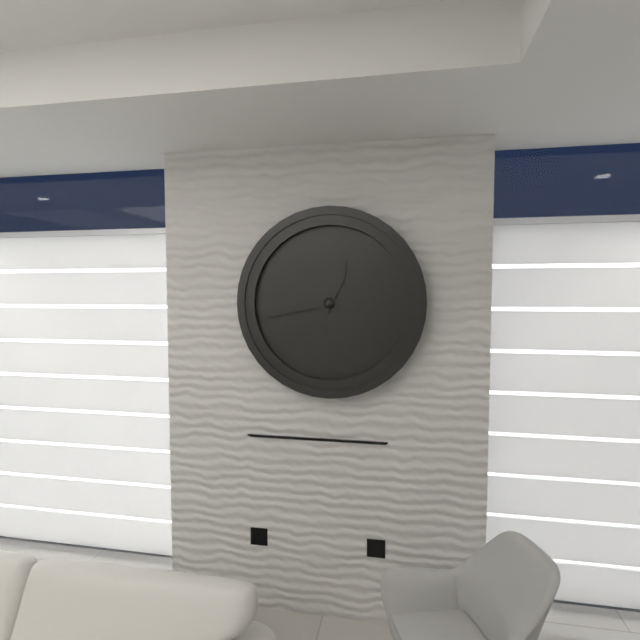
12.43
